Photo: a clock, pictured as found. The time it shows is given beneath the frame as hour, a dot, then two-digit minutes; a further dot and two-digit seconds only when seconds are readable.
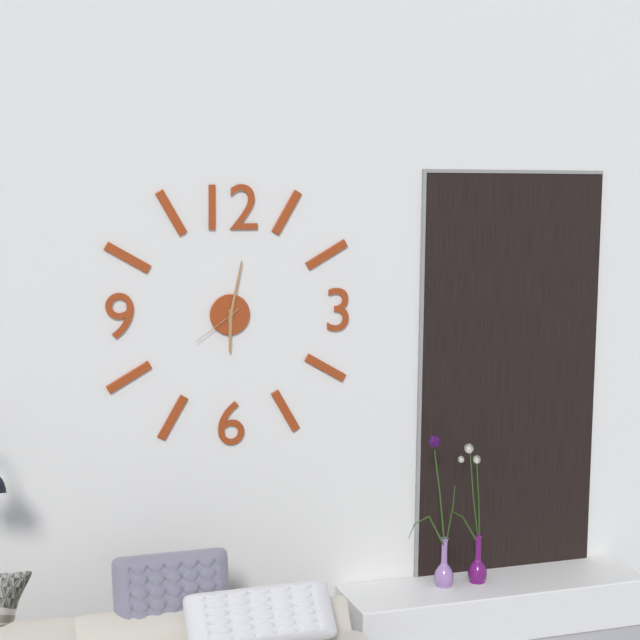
6.02.39
